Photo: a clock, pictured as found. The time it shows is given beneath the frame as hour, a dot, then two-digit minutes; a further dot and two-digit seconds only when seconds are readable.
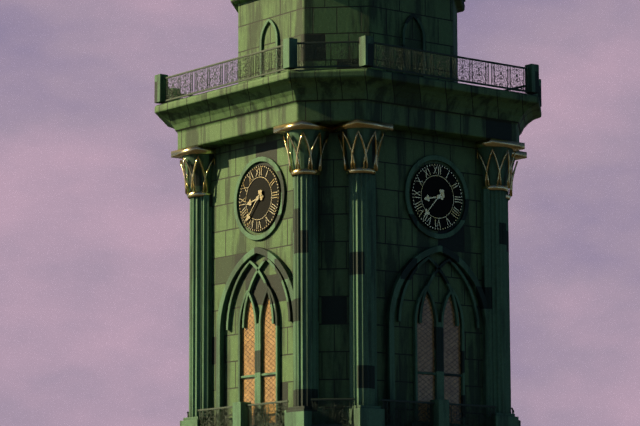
8.37
